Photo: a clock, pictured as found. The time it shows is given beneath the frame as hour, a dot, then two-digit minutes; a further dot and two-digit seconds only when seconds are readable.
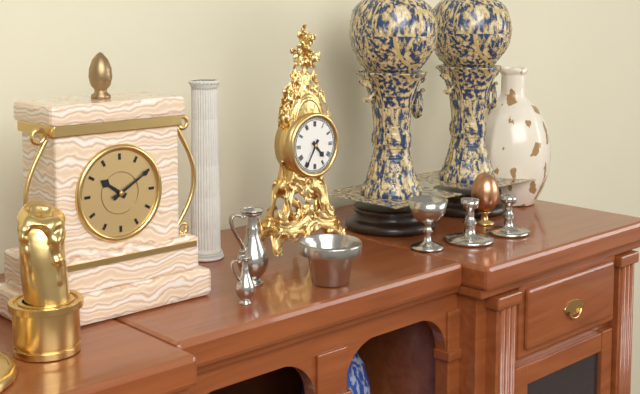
4.35
